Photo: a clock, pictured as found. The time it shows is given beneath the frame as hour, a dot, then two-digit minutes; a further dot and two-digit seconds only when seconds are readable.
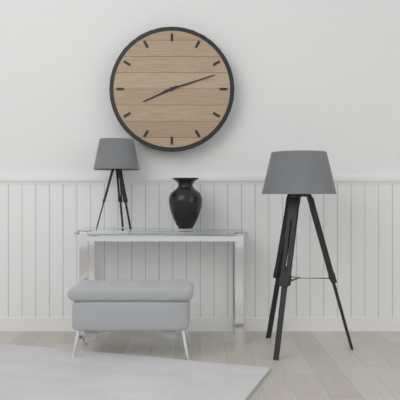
8.12
